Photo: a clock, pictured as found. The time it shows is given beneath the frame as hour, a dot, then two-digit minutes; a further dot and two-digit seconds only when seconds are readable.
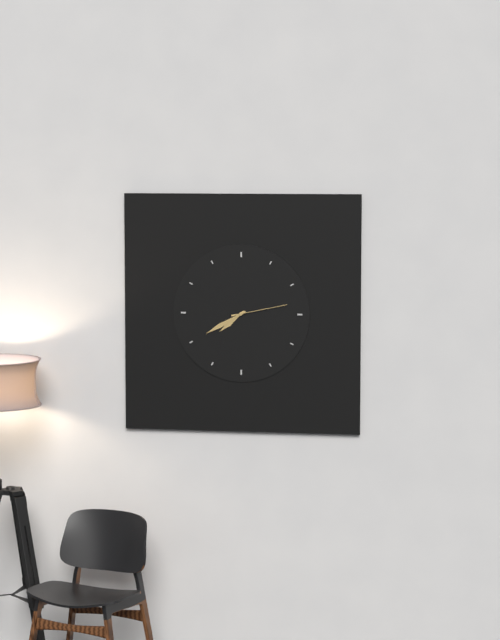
7.40.13
